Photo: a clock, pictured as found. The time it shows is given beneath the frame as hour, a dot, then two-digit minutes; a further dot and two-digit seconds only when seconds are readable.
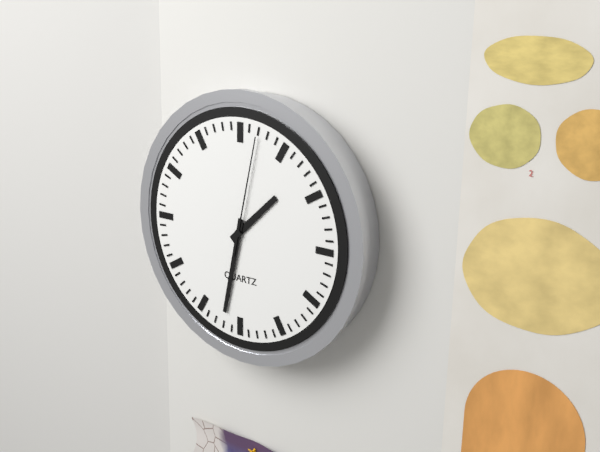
1.32.02
